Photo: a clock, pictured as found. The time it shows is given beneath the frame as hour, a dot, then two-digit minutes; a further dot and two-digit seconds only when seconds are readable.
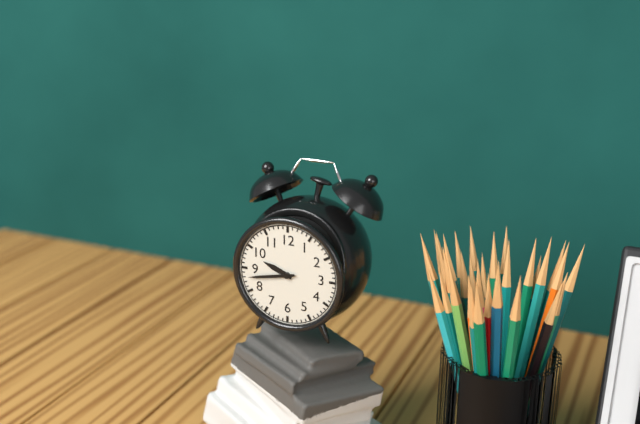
9.43
